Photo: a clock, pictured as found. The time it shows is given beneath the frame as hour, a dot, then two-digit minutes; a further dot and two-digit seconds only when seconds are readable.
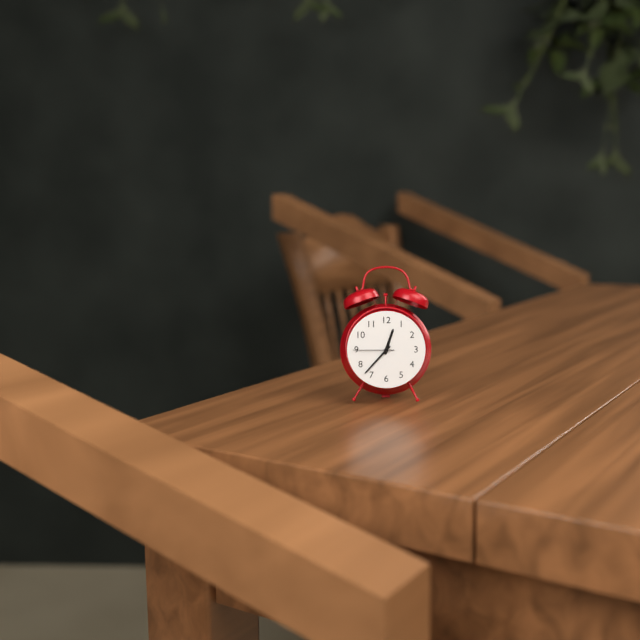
12.37
